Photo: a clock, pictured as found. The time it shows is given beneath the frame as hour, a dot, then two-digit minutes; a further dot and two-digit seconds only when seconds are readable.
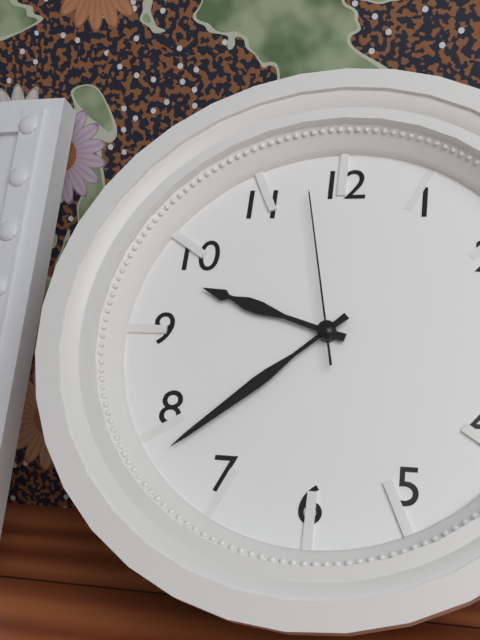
9.38.58
